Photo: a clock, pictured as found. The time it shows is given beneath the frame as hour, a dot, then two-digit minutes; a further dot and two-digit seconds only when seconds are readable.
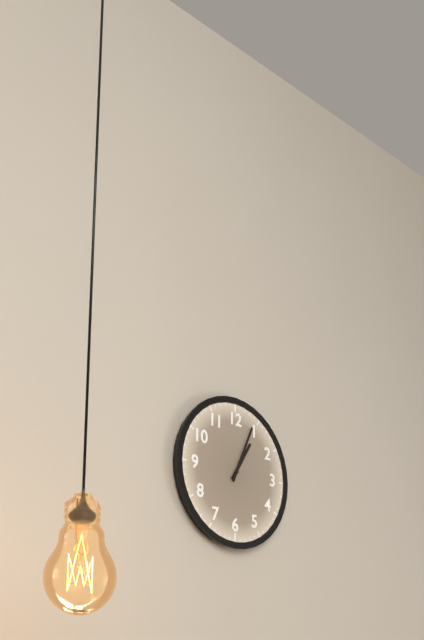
1.04
